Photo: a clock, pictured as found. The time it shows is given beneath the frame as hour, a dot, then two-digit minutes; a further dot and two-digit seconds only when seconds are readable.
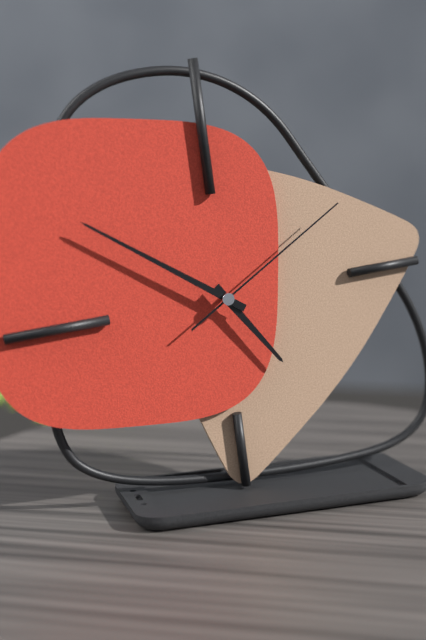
4.51.10
